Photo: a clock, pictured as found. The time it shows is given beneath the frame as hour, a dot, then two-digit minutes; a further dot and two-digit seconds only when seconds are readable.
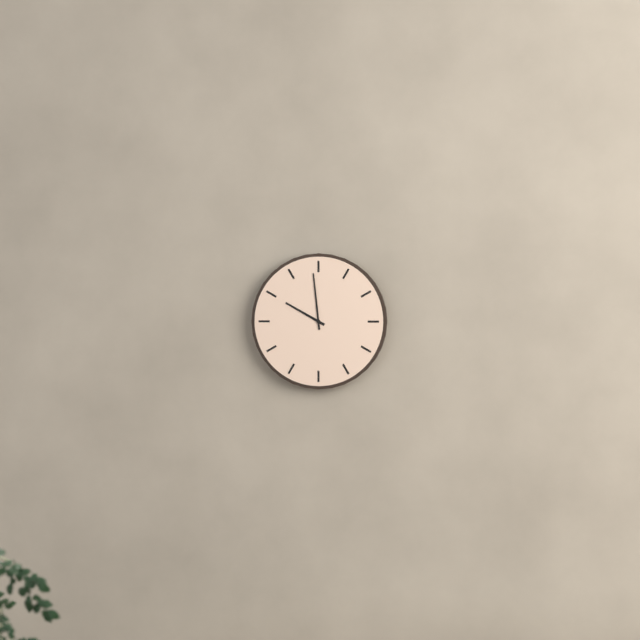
9.59
